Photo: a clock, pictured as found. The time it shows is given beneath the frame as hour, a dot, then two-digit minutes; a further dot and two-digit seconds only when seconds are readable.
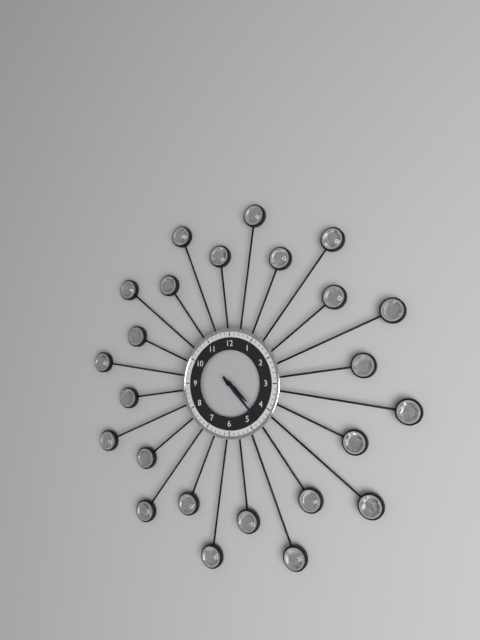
4.23
